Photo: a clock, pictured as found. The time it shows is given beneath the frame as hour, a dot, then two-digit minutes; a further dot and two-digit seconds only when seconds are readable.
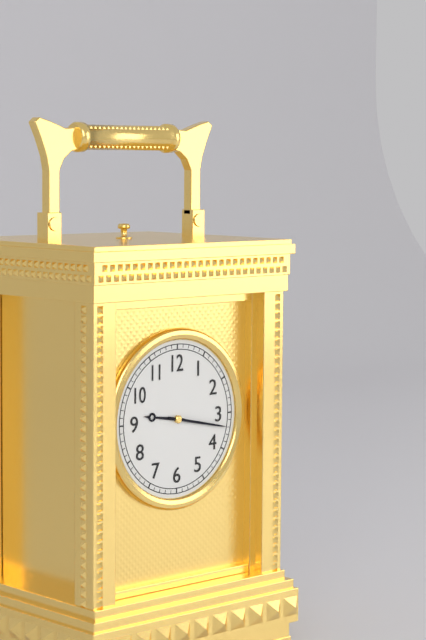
9.17
